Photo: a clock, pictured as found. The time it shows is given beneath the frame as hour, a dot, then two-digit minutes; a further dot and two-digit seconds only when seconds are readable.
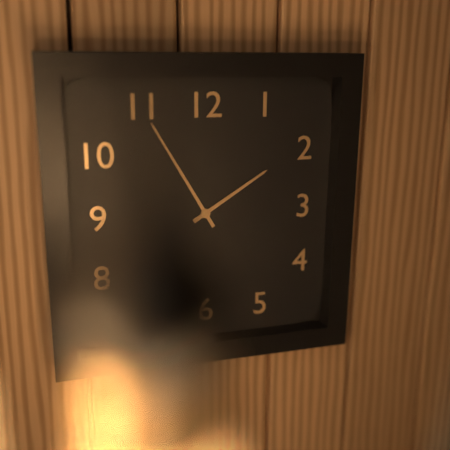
1.55
